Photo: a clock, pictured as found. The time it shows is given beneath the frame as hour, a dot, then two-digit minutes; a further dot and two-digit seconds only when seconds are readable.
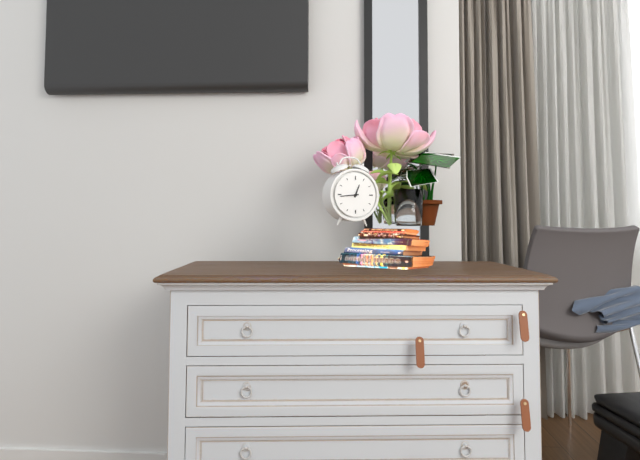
12.44
